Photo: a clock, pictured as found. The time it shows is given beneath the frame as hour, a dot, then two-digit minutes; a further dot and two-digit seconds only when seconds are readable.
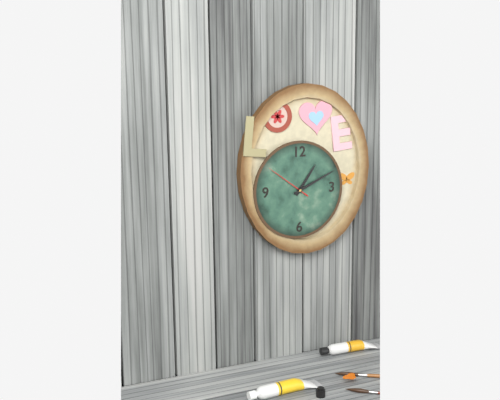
1.11
